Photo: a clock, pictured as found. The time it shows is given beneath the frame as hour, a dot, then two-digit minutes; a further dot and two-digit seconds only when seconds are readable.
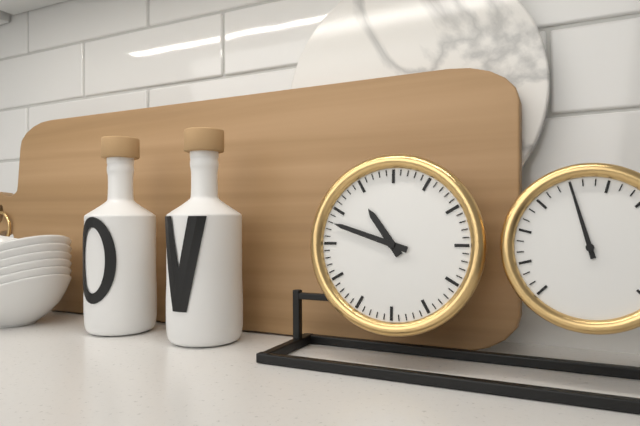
10.48
